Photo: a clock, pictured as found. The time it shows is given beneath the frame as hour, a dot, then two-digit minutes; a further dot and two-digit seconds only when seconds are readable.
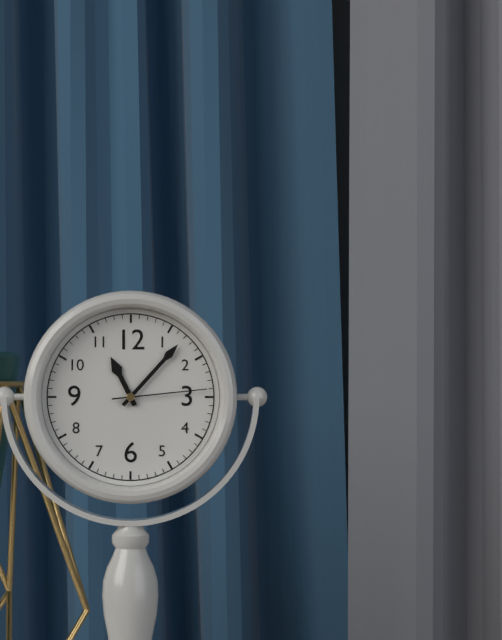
11.07.14
